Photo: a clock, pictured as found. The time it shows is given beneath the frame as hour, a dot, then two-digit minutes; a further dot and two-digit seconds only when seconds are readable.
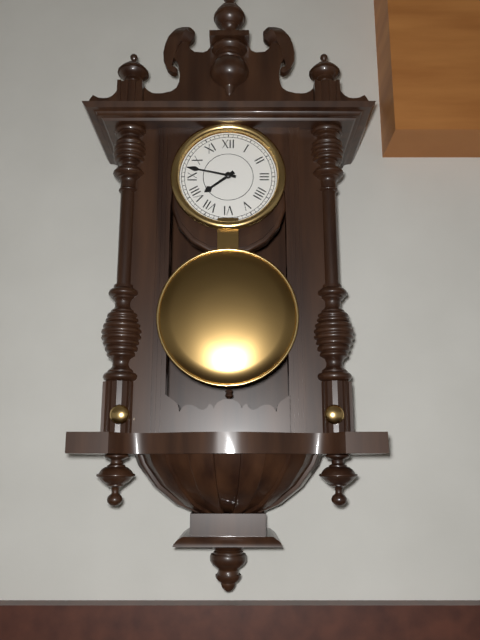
7.47
